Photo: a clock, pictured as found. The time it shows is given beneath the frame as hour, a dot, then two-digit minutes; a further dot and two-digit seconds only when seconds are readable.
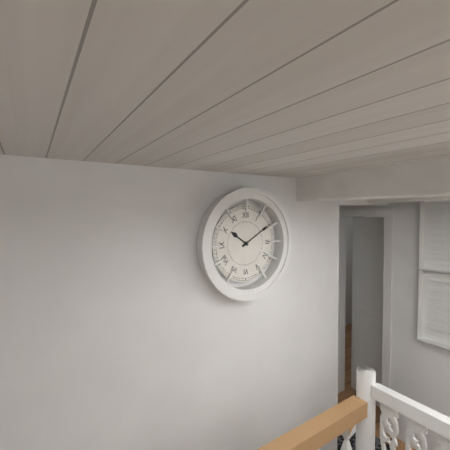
10.10
